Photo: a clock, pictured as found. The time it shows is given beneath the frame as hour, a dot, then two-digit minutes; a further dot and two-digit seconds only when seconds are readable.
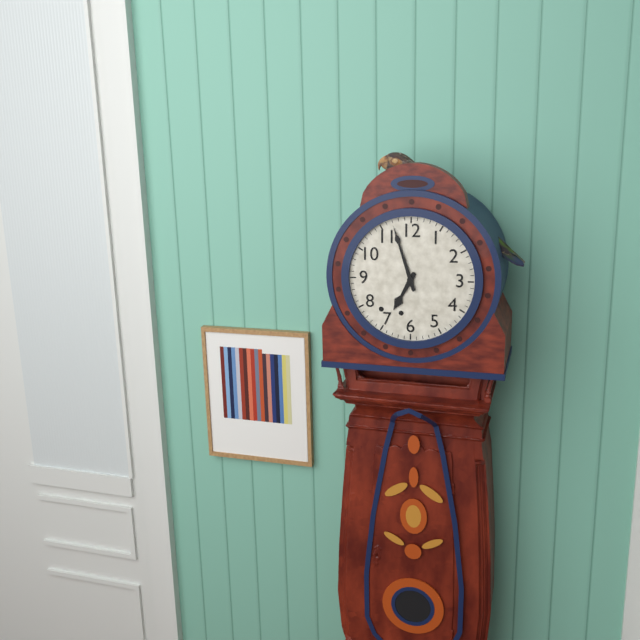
6.57
